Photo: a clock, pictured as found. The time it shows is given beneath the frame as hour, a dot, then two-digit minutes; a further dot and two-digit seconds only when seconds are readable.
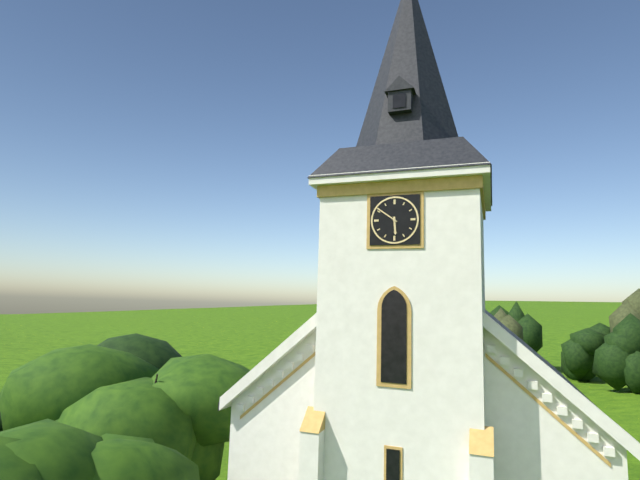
5.51
